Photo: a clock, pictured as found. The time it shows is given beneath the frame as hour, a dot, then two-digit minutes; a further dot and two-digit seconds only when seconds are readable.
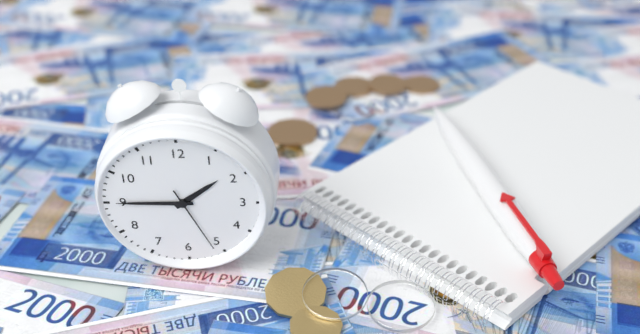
1.45.26
